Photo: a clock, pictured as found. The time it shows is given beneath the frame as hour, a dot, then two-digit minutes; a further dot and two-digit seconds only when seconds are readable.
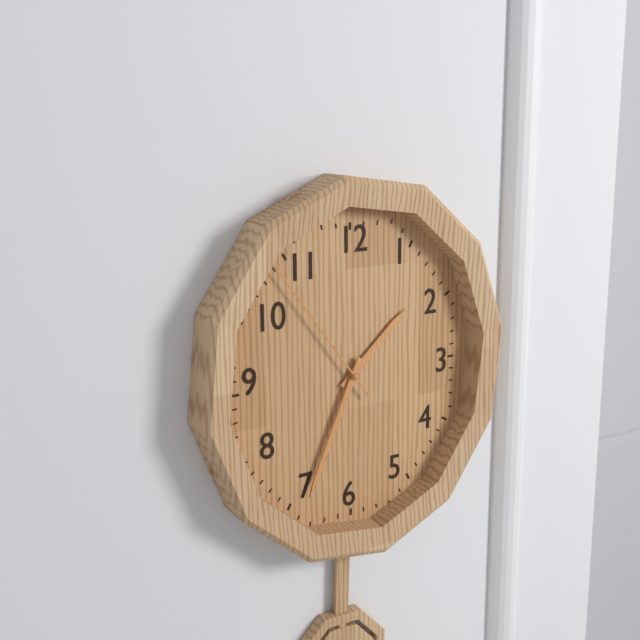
1.34.54
